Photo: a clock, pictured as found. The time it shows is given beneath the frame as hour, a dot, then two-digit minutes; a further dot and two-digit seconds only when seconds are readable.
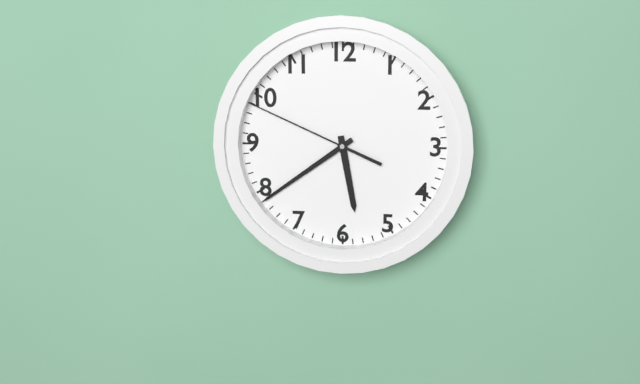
5.39.49
